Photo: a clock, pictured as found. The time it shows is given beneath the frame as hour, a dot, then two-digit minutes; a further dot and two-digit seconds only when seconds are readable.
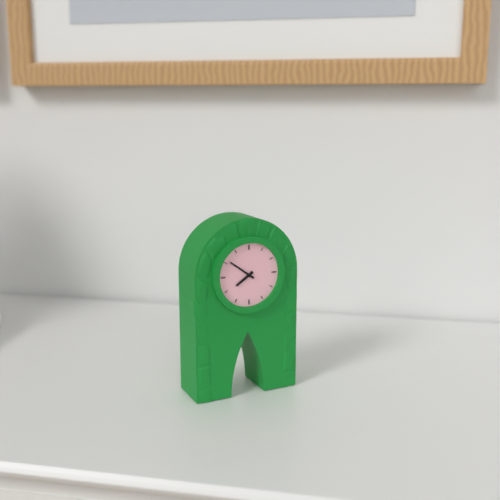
7.51
